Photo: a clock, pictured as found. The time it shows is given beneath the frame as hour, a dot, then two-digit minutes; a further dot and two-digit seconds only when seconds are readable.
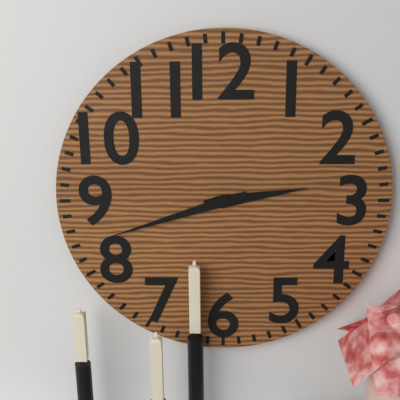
2.42
